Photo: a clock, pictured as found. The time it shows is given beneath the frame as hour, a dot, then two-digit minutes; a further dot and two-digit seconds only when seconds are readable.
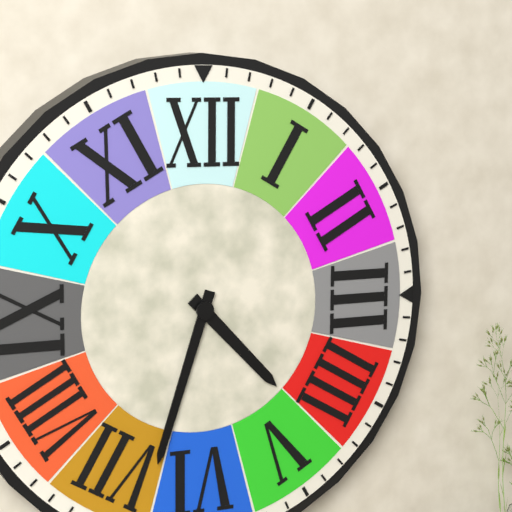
4.33
